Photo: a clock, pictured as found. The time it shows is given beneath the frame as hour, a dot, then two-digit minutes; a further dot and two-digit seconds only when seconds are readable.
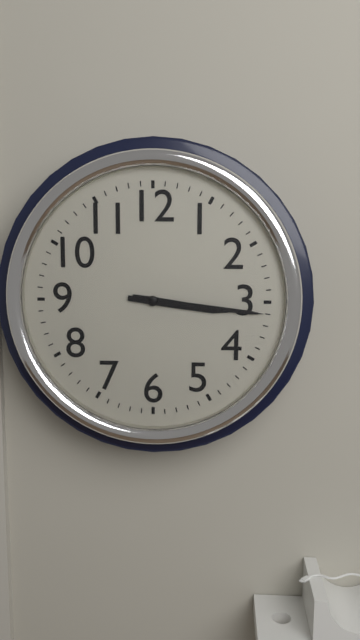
3.16
